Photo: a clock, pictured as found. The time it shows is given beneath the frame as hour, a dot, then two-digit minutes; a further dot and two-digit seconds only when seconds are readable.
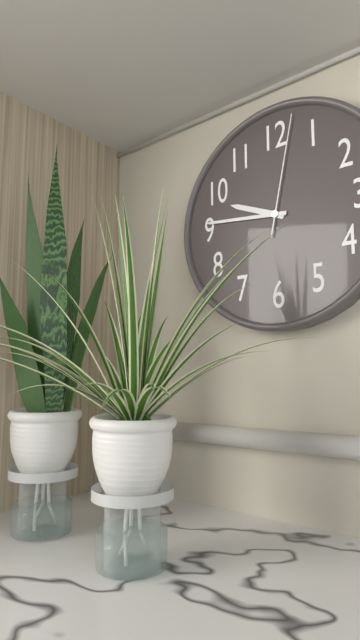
9.46.02
